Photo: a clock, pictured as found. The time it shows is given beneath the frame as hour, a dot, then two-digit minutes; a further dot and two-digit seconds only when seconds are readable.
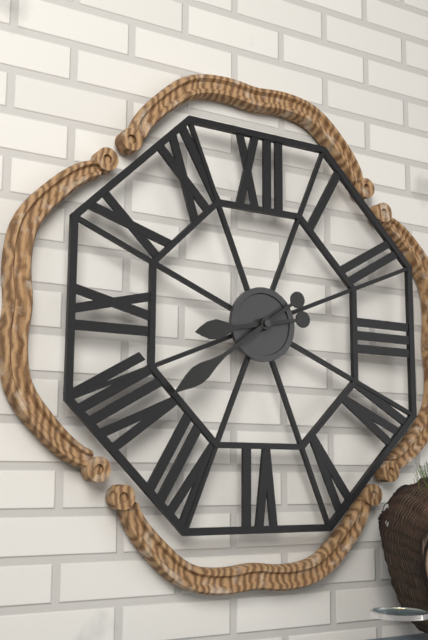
8.39
